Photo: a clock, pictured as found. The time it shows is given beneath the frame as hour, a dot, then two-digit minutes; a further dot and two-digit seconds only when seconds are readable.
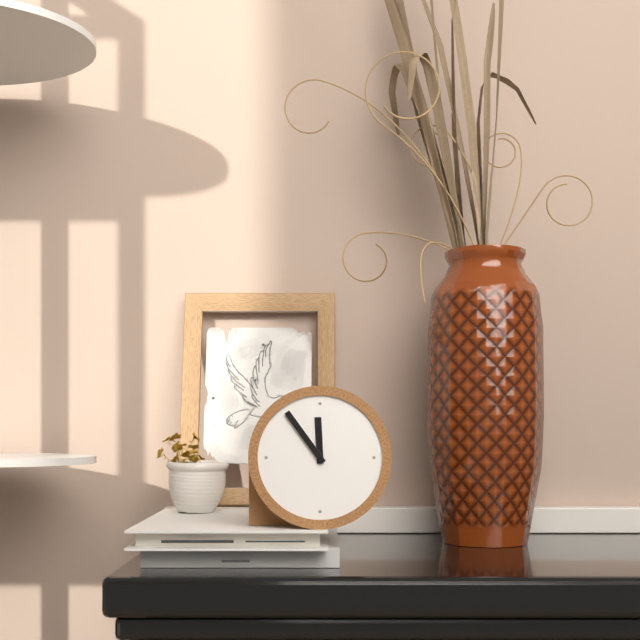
11.54
